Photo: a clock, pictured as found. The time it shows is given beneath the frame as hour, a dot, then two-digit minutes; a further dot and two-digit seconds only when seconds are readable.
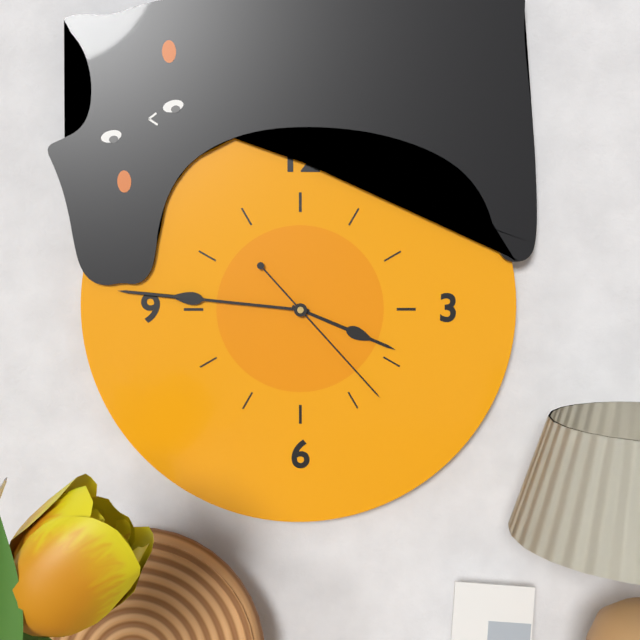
3.46.23
